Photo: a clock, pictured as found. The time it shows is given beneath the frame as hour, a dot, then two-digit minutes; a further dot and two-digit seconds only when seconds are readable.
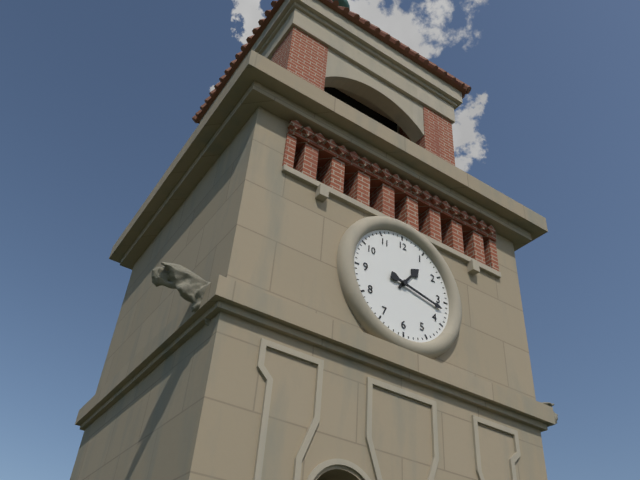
1.17
